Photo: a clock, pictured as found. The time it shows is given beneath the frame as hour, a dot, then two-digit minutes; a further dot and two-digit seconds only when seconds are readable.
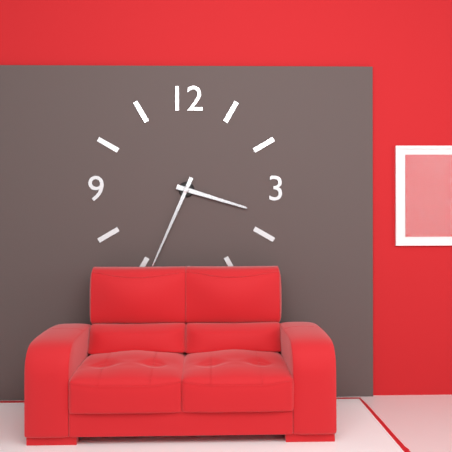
3.34
